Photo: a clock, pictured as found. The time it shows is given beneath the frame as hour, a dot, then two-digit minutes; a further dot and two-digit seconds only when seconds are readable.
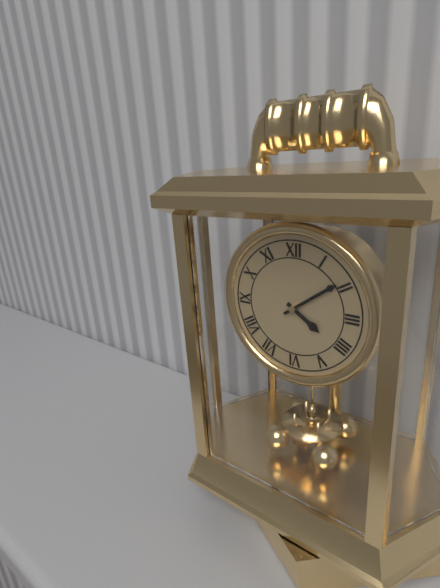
4.09
